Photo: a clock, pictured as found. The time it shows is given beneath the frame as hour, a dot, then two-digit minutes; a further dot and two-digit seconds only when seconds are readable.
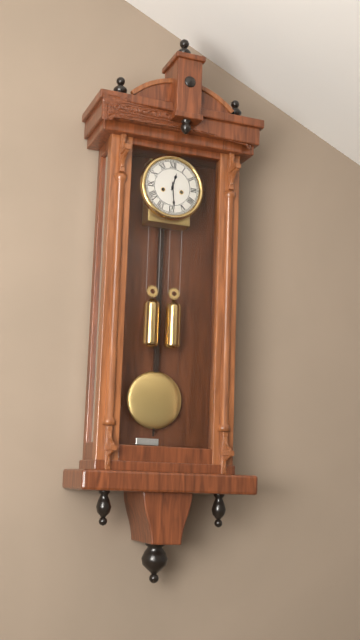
12.29
